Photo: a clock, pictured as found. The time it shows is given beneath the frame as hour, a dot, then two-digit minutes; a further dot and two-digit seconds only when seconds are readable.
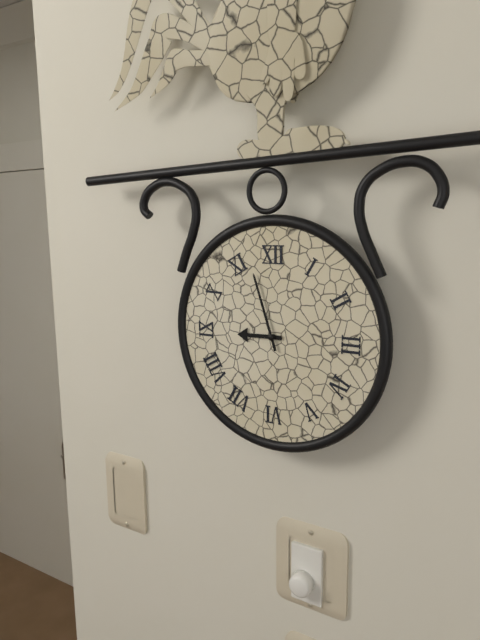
8.57
